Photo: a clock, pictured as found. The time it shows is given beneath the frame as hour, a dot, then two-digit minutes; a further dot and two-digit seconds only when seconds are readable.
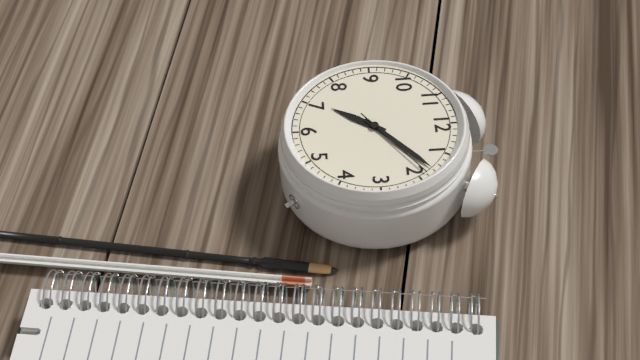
7.08.09
